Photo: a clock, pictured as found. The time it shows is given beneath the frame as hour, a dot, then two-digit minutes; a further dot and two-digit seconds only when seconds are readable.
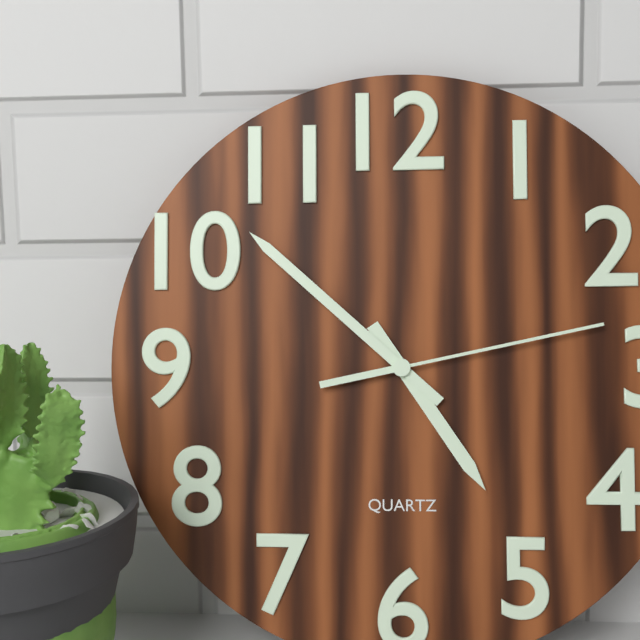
4.52.13
